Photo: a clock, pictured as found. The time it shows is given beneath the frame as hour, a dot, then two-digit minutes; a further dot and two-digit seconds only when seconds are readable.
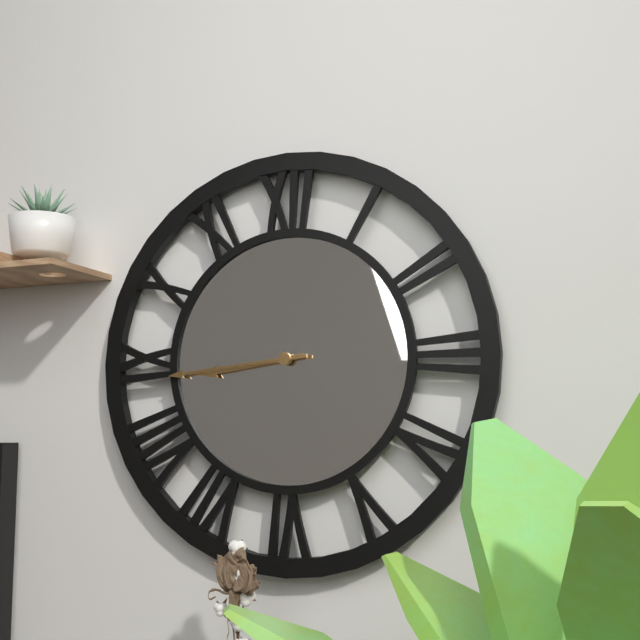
8.44
